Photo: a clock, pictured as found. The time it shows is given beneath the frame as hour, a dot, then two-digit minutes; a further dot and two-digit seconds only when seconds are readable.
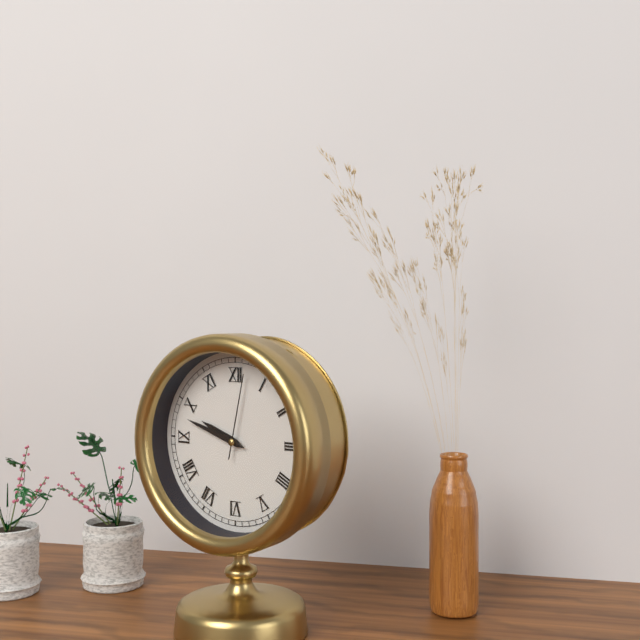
9.48.02
